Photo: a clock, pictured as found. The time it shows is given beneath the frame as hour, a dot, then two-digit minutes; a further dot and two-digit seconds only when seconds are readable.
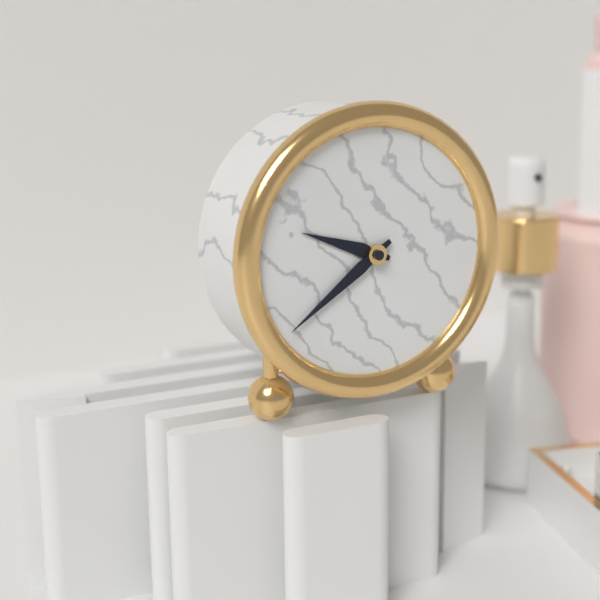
9.39
